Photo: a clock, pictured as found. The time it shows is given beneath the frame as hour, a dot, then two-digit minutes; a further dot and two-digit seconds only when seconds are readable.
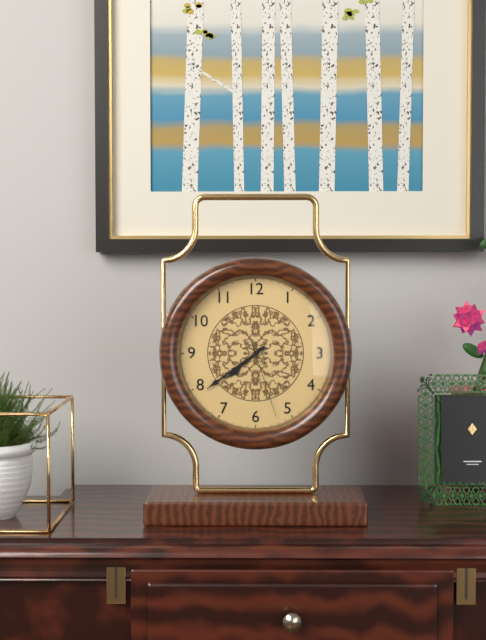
7.39.27
